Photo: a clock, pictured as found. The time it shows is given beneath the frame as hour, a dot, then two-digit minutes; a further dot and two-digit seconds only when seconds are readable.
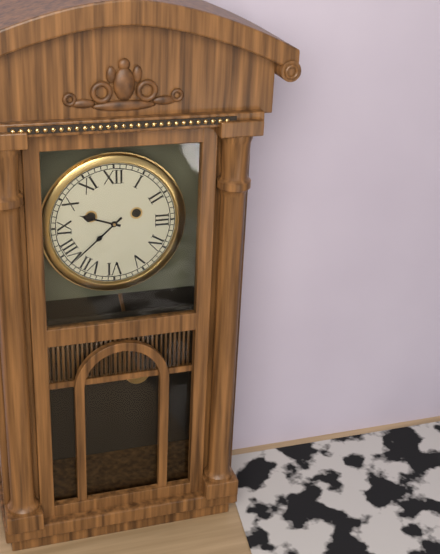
9.38
